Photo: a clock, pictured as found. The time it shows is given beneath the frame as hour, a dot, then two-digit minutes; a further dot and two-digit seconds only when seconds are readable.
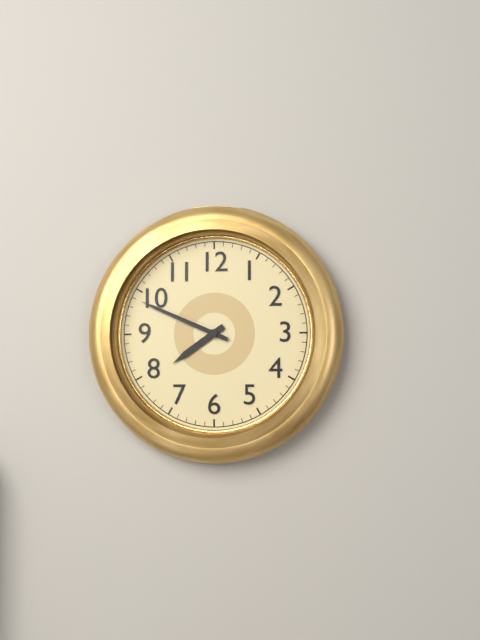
7.49
